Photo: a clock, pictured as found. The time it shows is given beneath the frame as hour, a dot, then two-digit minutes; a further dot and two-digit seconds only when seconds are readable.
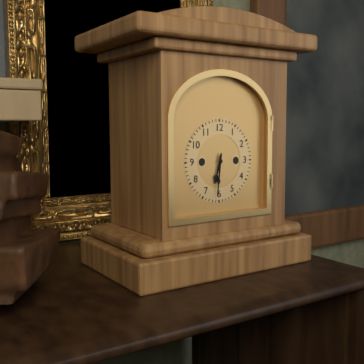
6.31
